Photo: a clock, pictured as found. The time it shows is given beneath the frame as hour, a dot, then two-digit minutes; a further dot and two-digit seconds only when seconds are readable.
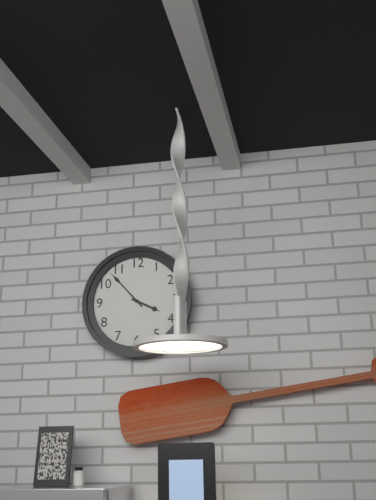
3.53
